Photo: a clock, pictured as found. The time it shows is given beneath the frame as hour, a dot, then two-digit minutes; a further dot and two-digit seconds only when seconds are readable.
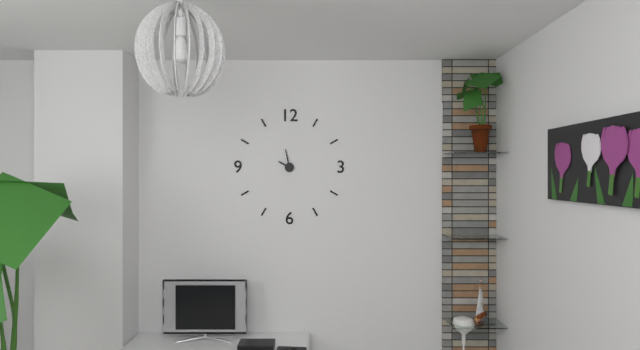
9.58
